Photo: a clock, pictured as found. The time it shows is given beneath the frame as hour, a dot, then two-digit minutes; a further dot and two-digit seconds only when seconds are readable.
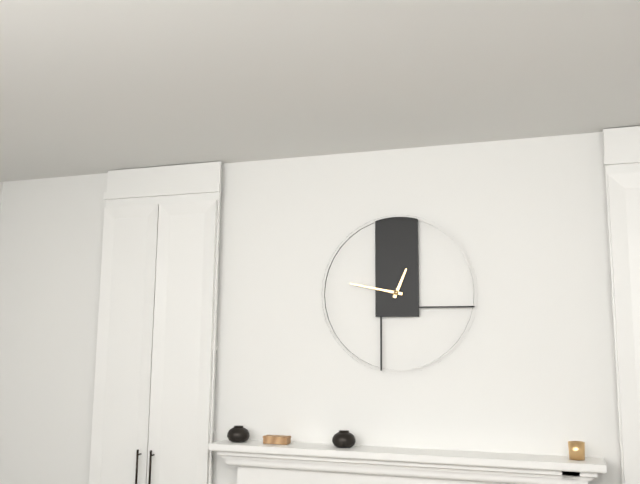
12.47
